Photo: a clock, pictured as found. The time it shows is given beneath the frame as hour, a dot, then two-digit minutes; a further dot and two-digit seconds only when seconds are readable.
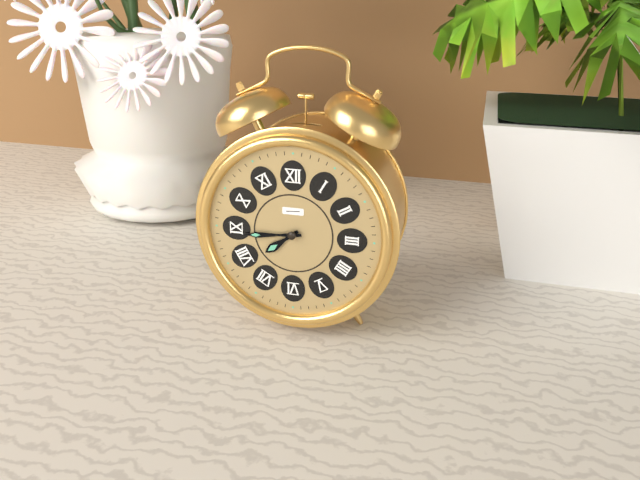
7.44
